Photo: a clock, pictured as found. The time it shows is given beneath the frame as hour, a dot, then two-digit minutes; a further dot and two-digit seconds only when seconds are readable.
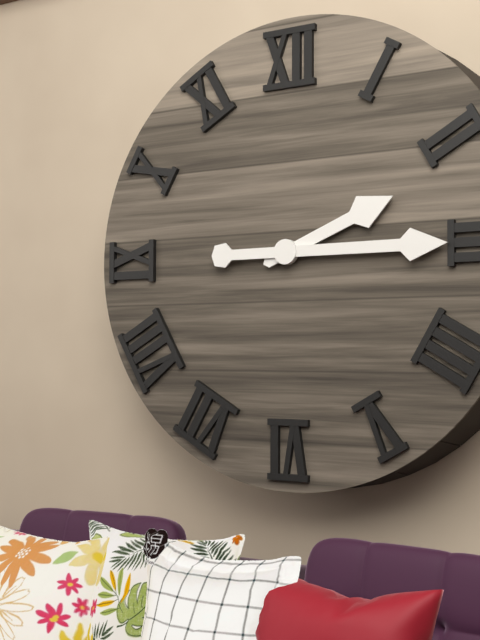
2.15
